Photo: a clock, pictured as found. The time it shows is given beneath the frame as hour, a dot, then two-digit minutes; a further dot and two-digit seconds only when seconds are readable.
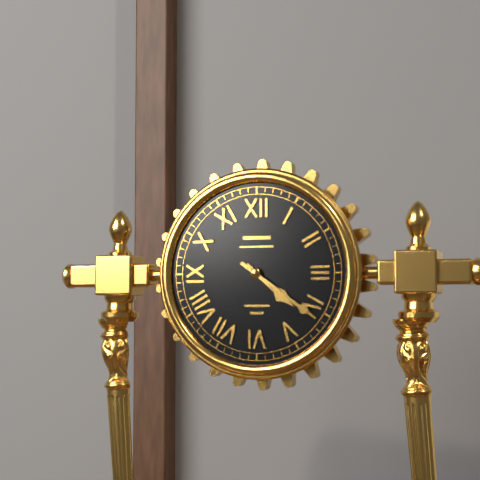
4.21
